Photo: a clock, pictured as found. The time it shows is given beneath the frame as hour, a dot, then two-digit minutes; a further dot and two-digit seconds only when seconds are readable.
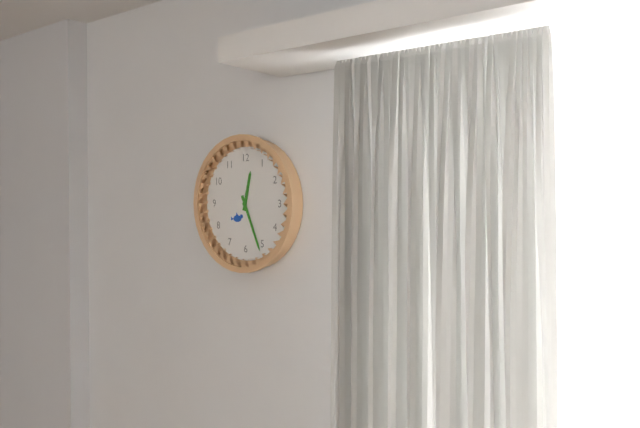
12.26
